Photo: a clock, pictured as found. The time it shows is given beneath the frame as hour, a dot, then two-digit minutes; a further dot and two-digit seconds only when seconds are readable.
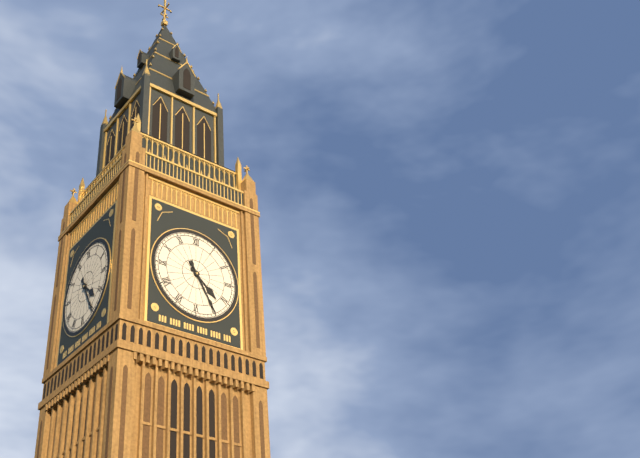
4.25
